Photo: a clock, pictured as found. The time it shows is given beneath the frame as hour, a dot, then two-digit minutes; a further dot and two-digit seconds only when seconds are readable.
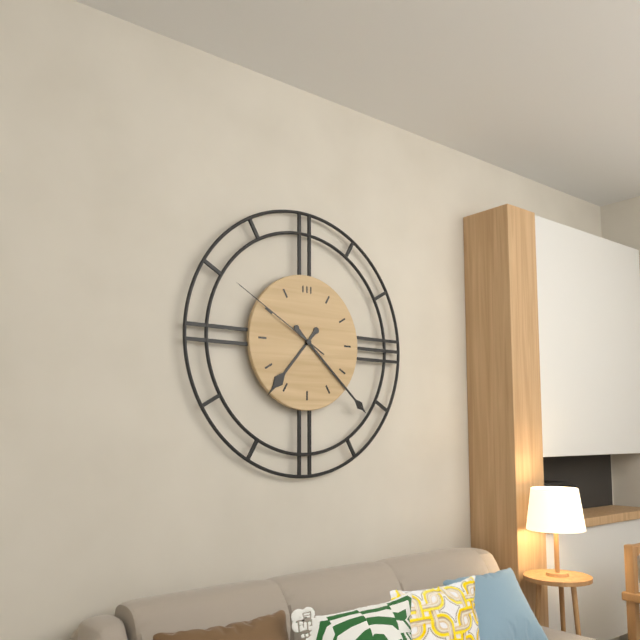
7.22.50
